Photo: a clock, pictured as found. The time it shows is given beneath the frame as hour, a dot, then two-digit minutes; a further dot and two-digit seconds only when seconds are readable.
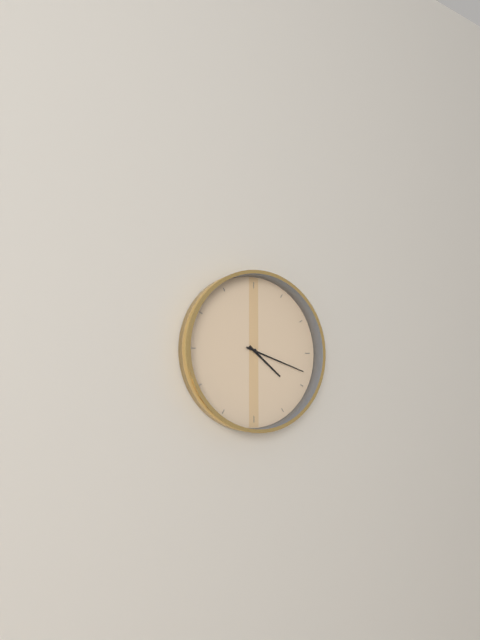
4.18
